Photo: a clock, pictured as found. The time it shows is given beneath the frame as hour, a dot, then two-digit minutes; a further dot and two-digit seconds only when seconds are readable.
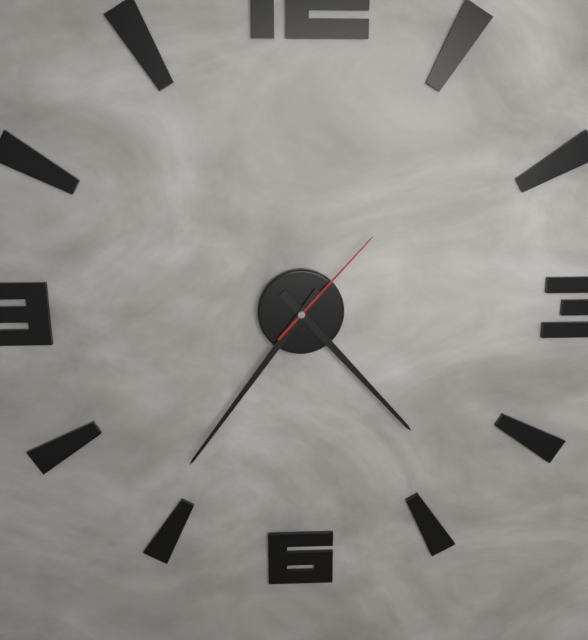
4.36.07
